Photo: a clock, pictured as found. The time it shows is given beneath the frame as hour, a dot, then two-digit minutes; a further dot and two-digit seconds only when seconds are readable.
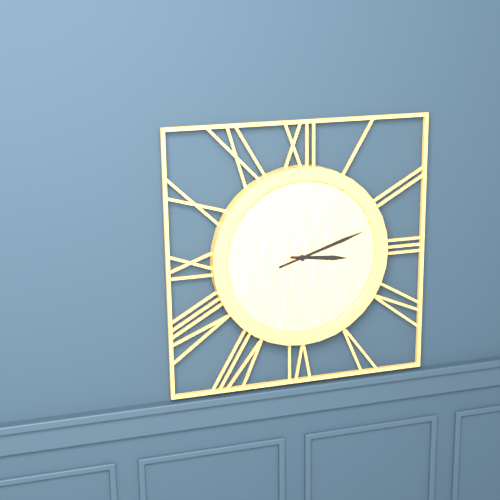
3.12
